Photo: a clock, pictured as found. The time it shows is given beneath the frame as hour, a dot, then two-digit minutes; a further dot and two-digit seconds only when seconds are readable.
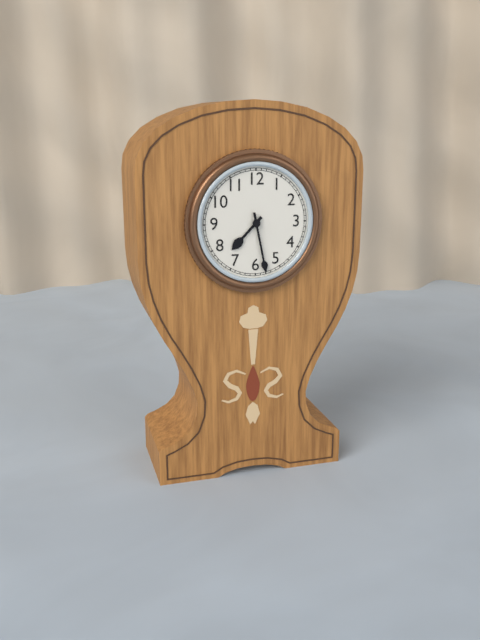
7.28
